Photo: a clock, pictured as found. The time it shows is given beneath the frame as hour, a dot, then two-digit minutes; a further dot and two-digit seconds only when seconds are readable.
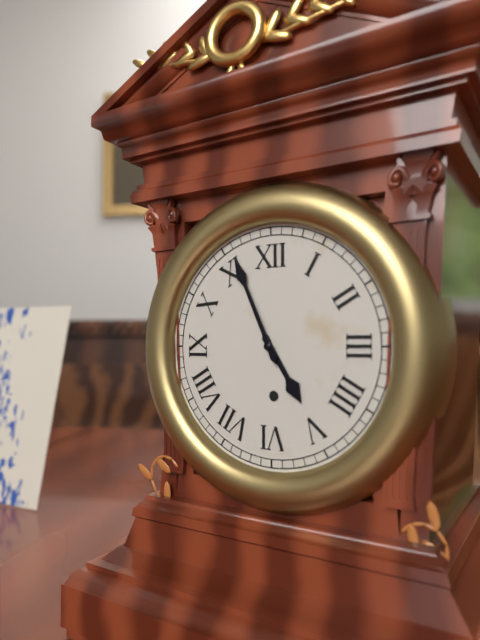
4.56
